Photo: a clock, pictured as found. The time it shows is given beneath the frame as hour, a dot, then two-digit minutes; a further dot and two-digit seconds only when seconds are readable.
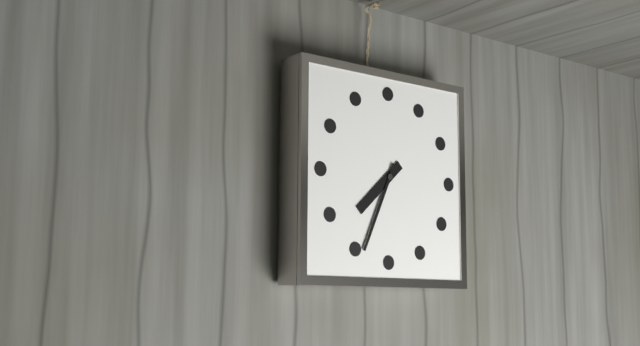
7.34
